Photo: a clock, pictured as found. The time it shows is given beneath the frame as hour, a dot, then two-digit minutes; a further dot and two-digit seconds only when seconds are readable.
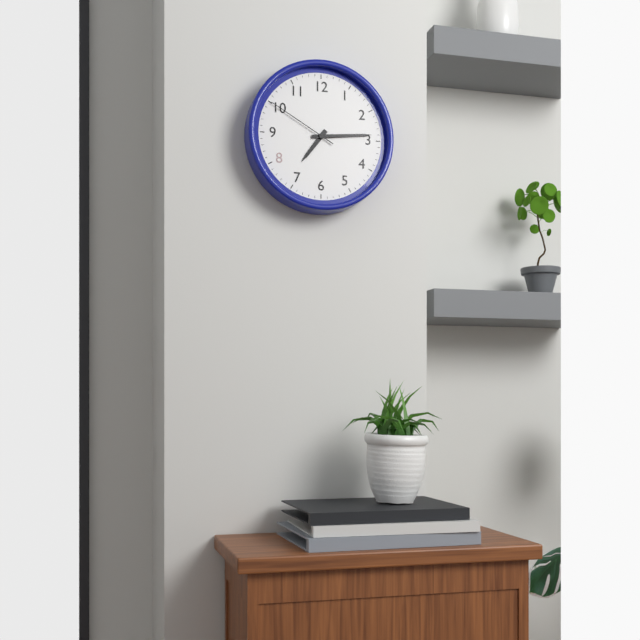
7.14.50
